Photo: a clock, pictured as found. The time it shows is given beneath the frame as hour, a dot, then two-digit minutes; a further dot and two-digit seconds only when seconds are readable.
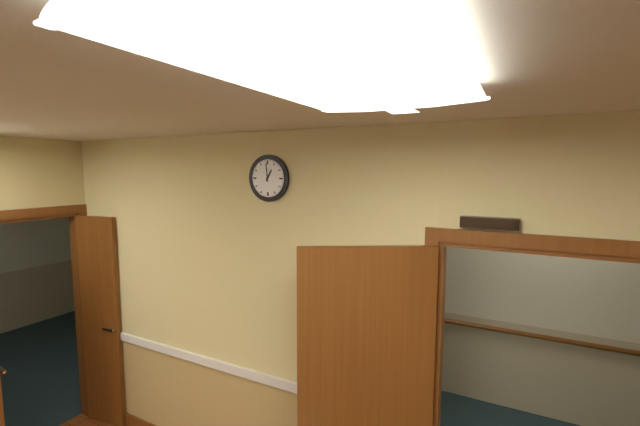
12.59
